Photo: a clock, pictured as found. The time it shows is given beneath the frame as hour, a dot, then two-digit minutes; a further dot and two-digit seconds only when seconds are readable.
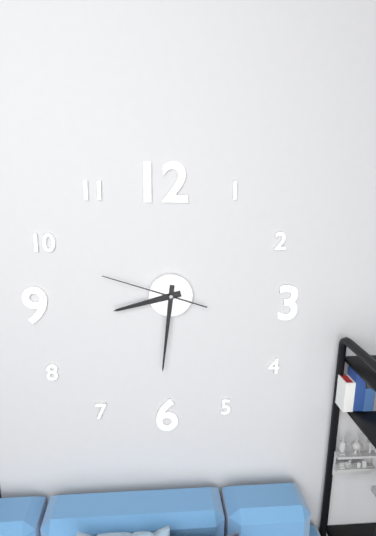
8.31.48
